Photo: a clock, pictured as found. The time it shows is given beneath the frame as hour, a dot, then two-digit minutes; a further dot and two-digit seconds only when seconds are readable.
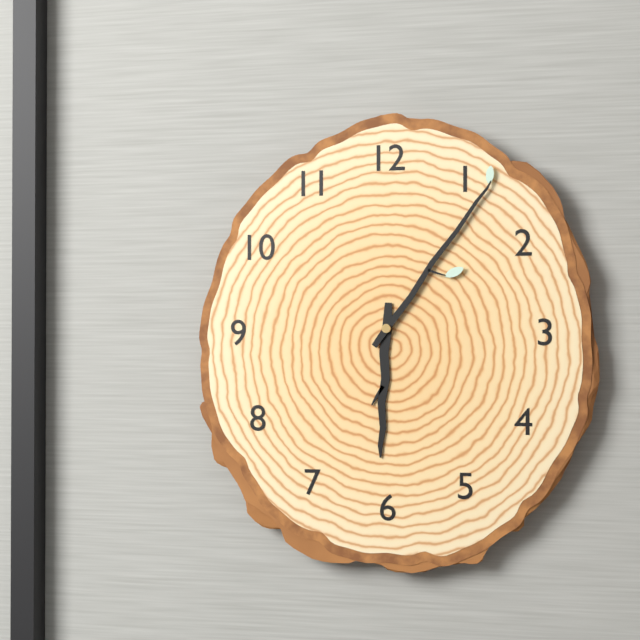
6.06
